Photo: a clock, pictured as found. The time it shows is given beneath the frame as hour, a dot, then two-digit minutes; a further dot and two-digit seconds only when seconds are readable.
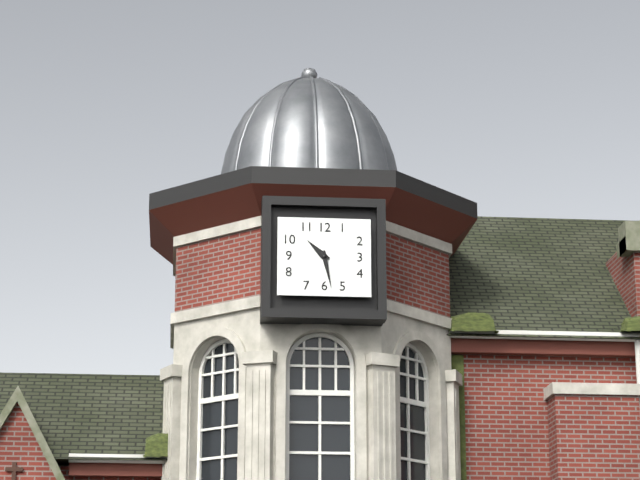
10.28
